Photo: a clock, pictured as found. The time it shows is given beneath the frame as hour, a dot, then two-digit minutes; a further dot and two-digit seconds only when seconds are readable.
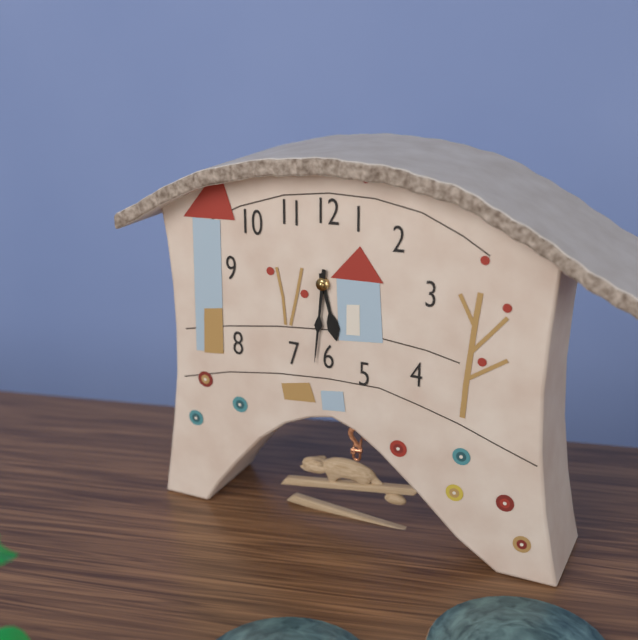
5.31
